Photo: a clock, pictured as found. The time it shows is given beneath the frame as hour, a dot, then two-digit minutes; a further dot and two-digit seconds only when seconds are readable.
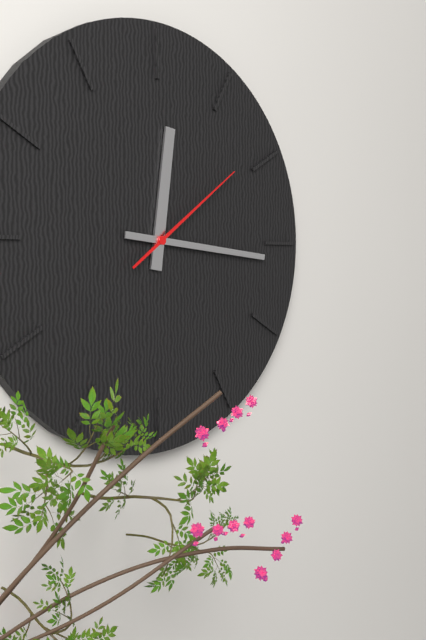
12.16.09
